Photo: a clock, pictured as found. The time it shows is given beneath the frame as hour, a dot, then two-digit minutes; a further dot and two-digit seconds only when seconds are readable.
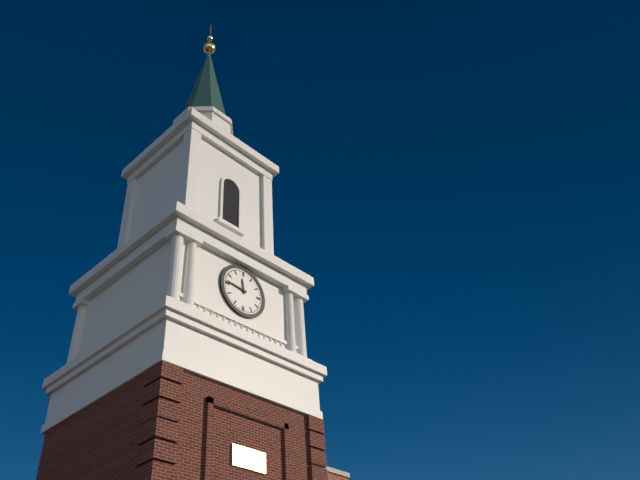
11.46
